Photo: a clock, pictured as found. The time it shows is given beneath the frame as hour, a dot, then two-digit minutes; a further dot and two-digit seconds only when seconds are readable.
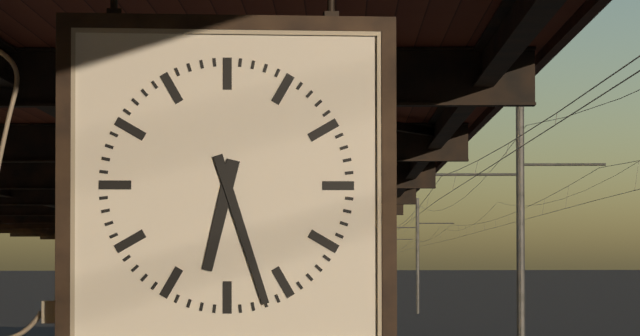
6.27
